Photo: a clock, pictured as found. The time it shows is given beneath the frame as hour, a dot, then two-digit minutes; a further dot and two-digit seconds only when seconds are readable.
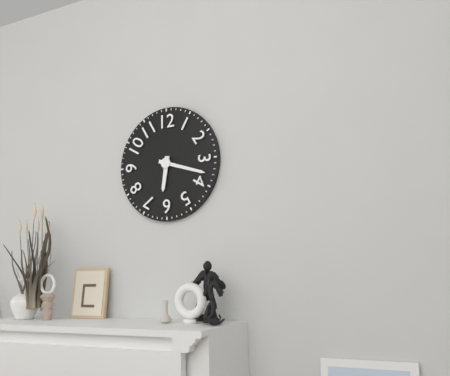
6.18
